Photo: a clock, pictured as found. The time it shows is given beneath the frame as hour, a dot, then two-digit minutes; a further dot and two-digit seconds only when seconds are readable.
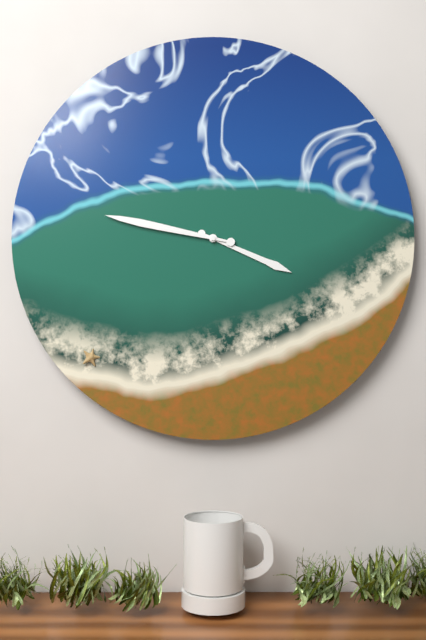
3.47
